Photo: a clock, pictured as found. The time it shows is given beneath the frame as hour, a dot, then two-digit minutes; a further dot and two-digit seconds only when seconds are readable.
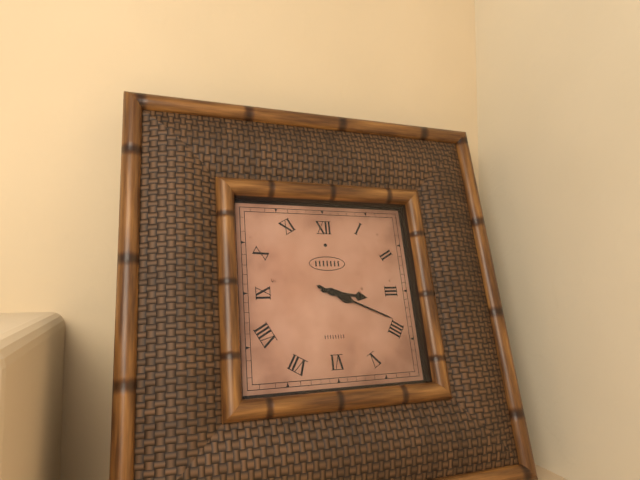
3.19
